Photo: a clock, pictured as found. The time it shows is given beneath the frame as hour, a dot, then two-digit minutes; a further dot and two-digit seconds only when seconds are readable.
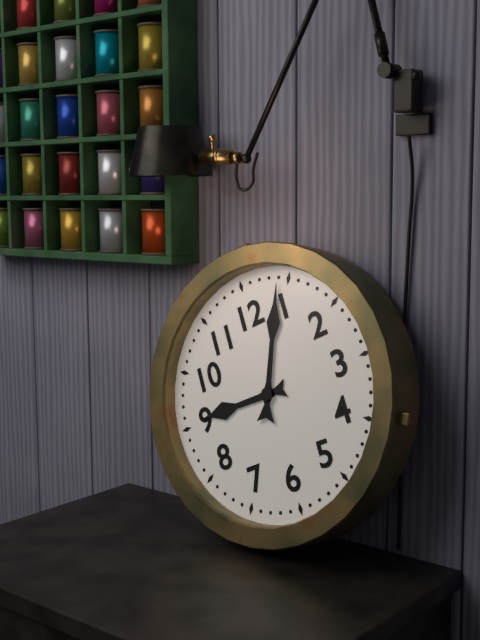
9.04
